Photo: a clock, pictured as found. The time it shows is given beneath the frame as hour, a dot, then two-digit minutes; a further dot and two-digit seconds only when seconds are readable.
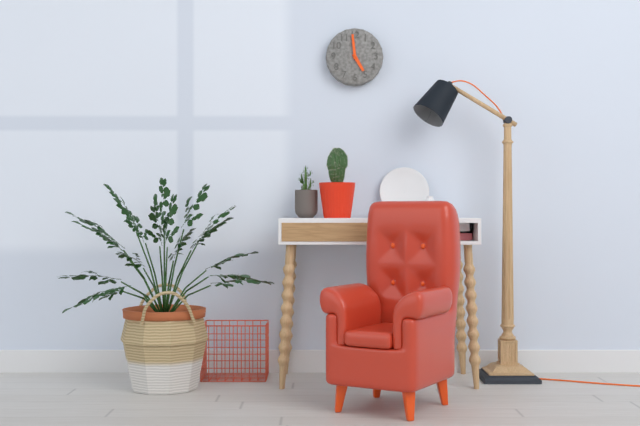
4.59
